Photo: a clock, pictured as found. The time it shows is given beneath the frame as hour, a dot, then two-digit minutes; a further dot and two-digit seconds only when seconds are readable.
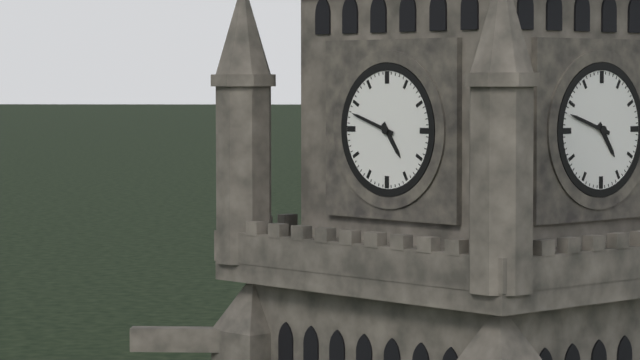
4.48
